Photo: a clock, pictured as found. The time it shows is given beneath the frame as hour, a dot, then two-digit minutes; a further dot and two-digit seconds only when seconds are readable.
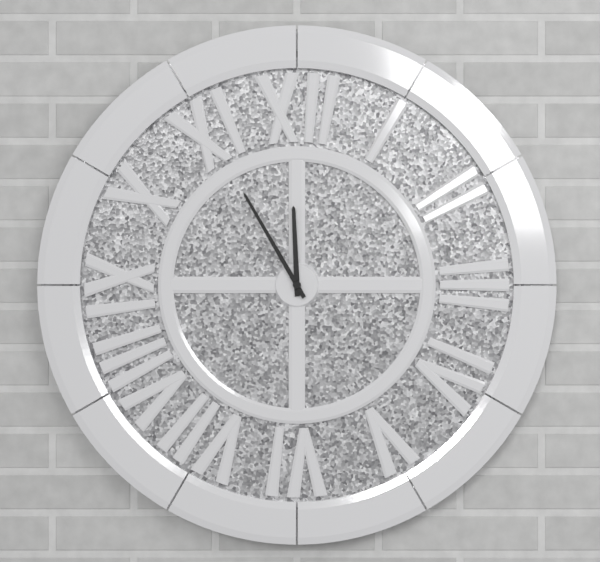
11.55
